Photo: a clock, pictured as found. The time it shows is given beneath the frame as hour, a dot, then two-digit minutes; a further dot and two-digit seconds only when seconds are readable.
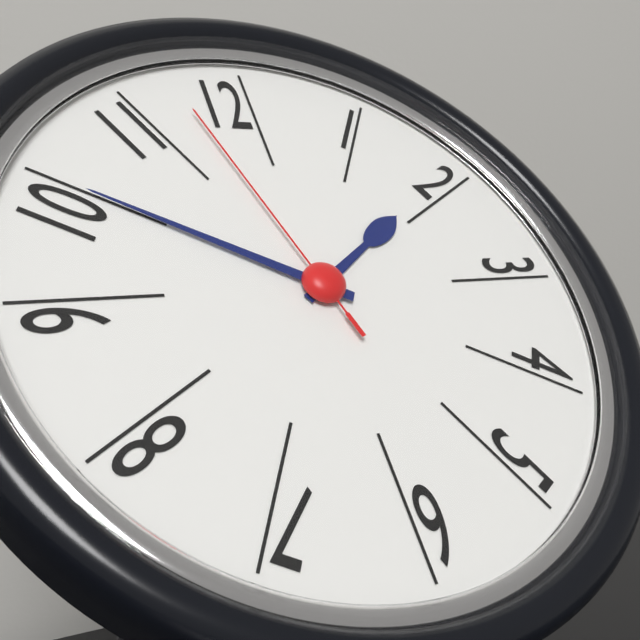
1.50.57
